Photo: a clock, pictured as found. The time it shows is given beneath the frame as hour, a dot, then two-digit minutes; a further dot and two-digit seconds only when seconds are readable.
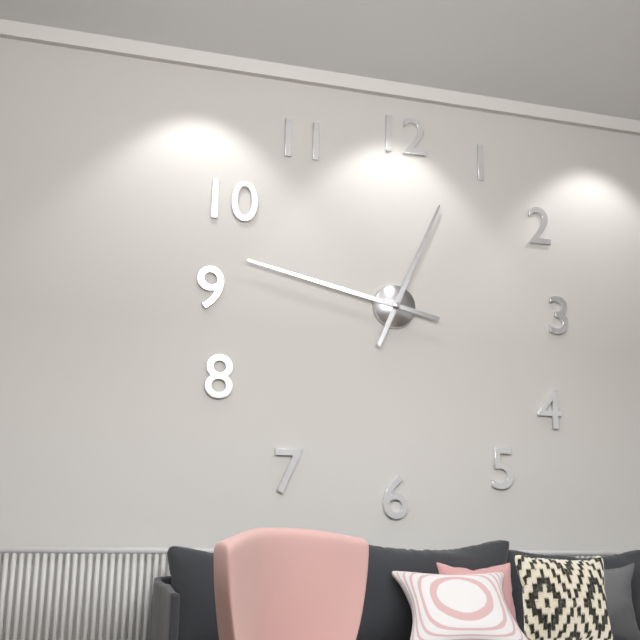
12.47
